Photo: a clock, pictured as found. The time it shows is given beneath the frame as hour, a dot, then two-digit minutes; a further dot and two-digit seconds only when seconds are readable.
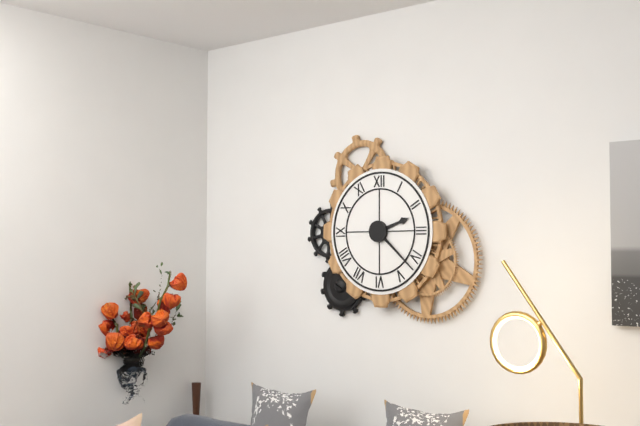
2.22
